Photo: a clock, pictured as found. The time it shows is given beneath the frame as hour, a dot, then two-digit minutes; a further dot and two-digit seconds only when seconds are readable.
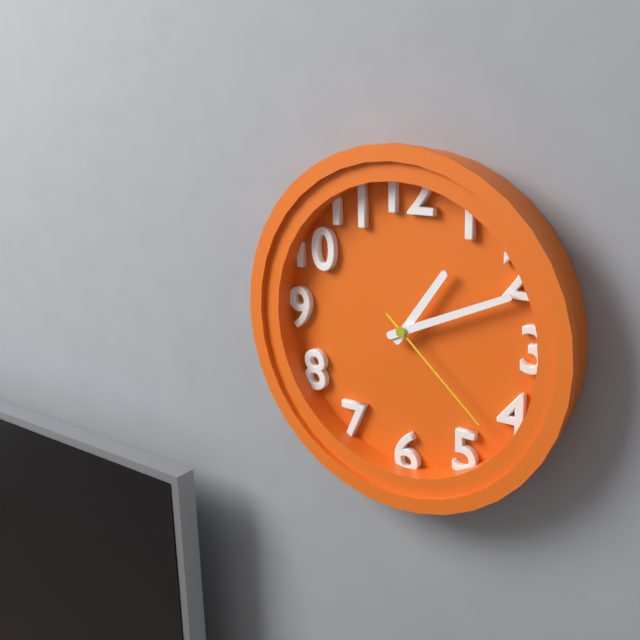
1.11.22
